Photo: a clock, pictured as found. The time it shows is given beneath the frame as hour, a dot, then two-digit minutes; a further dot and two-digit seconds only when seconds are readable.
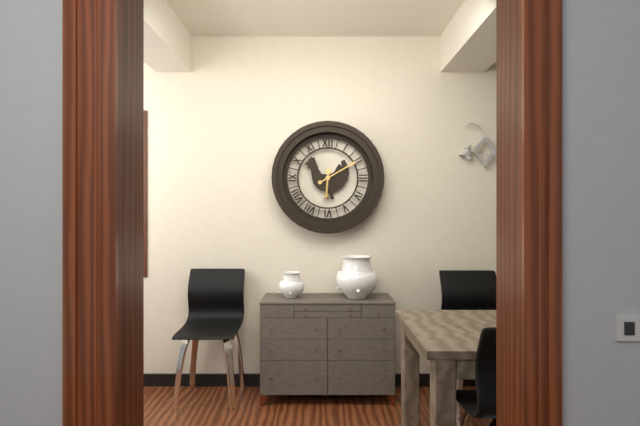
6.10
